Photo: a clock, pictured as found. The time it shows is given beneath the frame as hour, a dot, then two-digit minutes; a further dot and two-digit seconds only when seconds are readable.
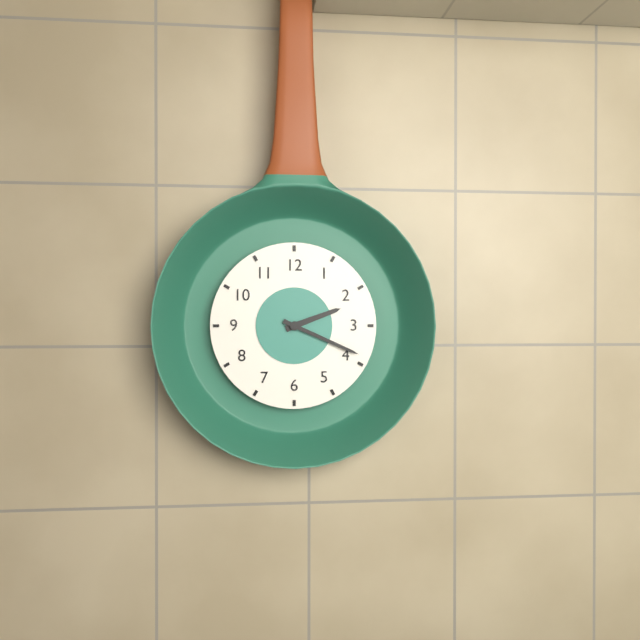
2.19
